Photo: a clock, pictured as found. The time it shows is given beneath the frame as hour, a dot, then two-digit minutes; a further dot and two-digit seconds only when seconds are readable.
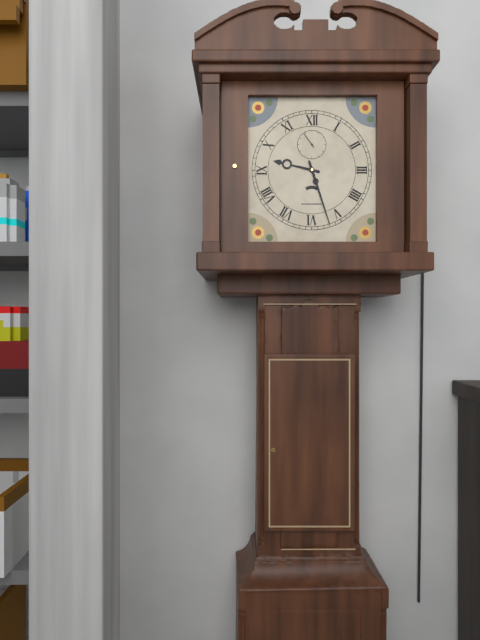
9.27
